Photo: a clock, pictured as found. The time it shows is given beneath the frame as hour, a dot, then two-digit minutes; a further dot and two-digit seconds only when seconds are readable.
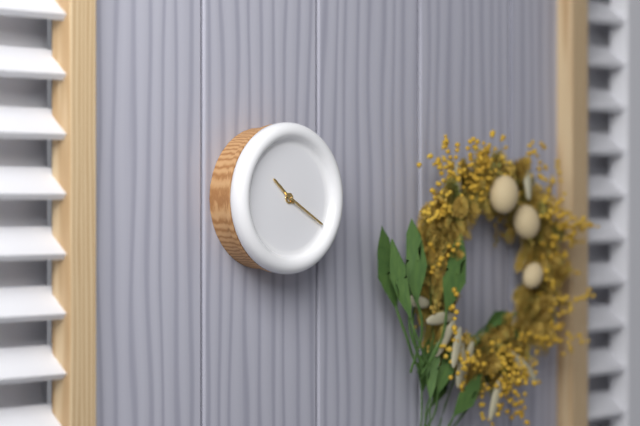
10.20
